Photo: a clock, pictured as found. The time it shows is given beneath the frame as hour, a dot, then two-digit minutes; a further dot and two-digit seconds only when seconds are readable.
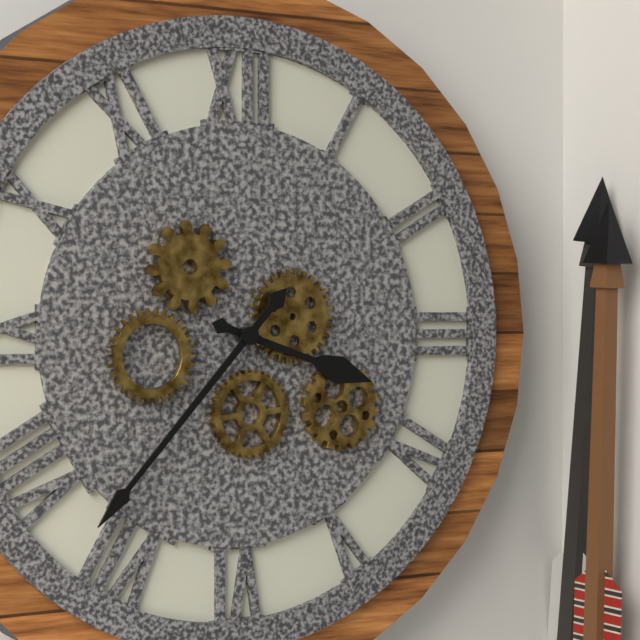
3.37
